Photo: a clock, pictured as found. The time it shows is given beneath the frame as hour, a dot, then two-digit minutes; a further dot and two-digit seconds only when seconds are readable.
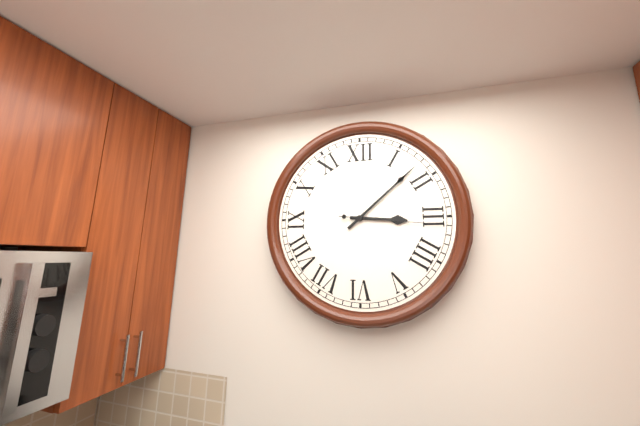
3.08.16
